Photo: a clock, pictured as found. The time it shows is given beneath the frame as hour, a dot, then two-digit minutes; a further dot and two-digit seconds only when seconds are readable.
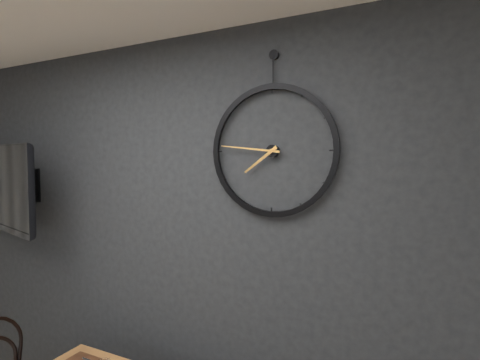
7.46
